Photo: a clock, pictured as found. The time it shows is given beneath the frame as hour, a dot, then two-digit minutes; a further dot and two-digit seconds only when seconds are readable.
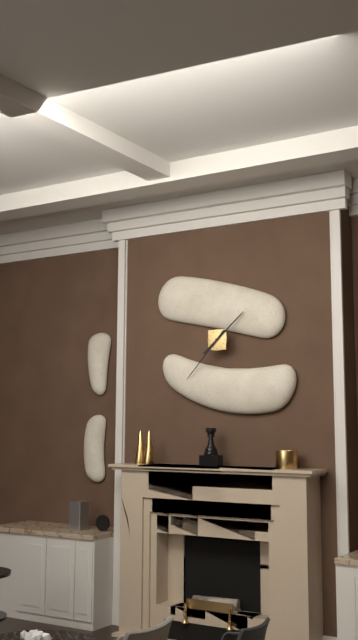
1.37
